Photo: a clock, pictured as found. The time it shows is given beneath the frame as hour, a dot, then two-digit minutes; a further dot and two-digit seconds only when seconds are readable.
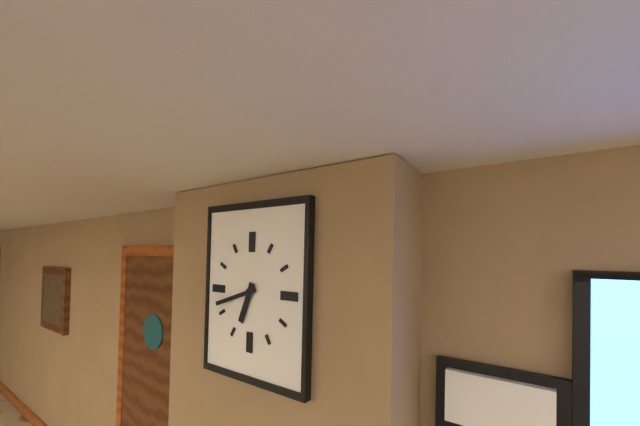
6.42
